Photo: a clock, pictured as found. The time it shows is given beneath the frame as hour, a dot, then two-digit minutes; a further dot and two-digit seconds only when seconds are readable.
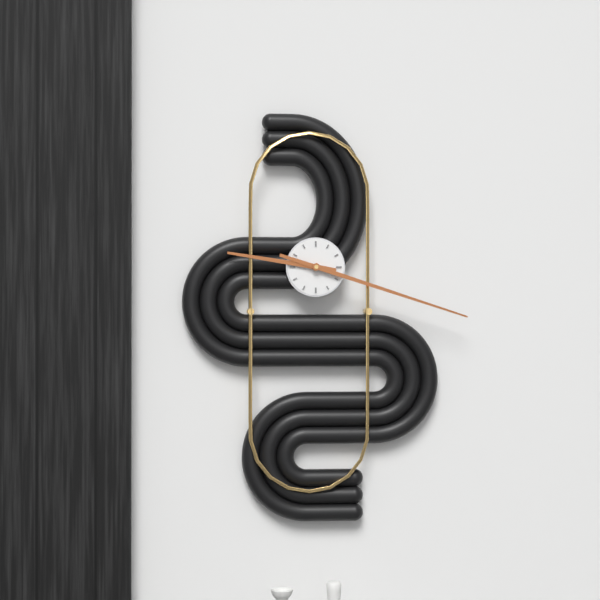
9.18
